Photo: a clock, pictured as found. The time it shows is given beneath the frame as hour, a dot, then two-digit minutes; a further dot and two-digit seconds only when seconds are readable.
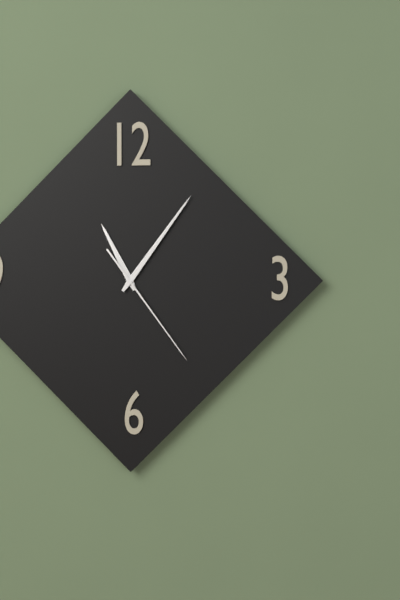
11.06.24
